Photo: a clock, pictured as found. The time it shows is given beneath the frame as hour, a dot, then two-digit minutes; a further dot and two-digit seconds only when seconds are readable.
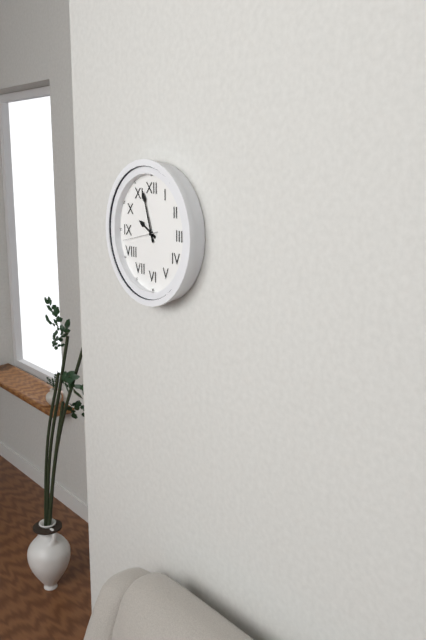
9.57.43
